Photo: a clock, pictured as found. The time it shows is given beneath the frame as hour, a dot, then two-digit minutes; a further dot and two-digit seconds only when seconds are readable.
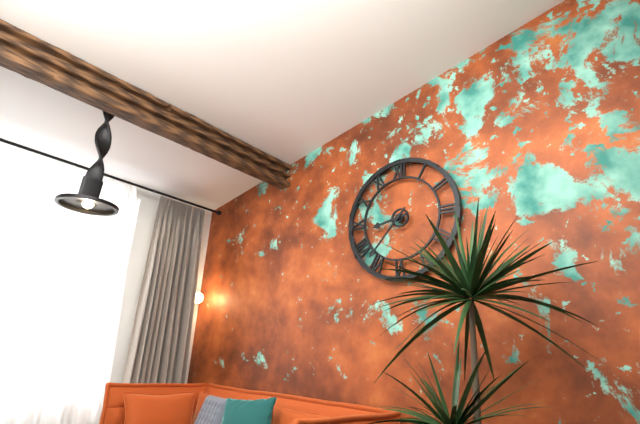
8.37
